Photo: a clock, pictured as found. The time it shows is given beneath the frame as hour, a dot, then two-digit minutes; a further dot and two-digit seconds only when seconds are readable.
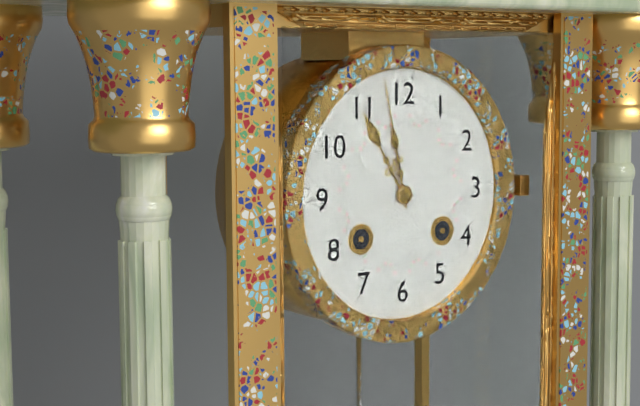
10.58
